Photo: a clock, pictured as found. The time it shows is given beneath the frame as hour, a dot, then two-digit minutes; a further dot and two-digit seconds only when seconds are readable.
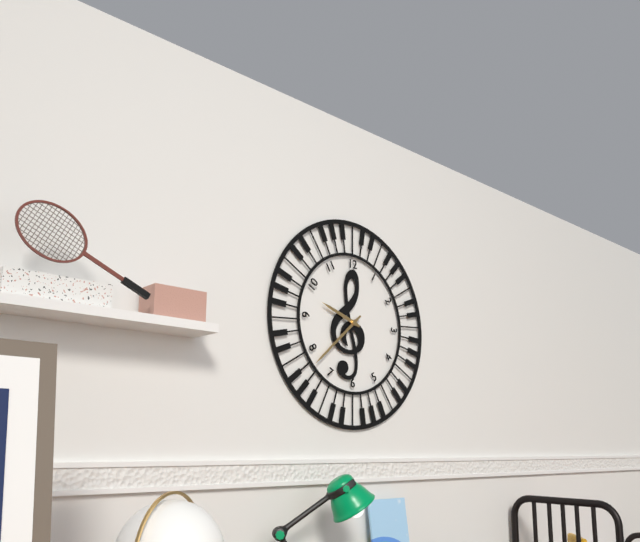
9.38
